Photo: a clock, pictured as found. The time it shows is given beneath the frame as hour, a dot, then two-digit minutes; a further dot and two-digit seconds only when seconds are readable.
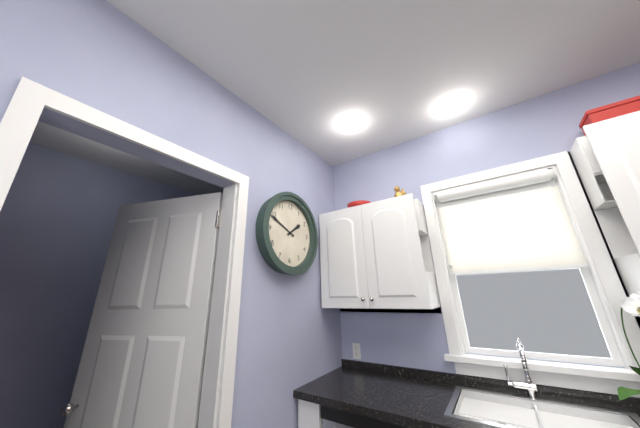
1.49
